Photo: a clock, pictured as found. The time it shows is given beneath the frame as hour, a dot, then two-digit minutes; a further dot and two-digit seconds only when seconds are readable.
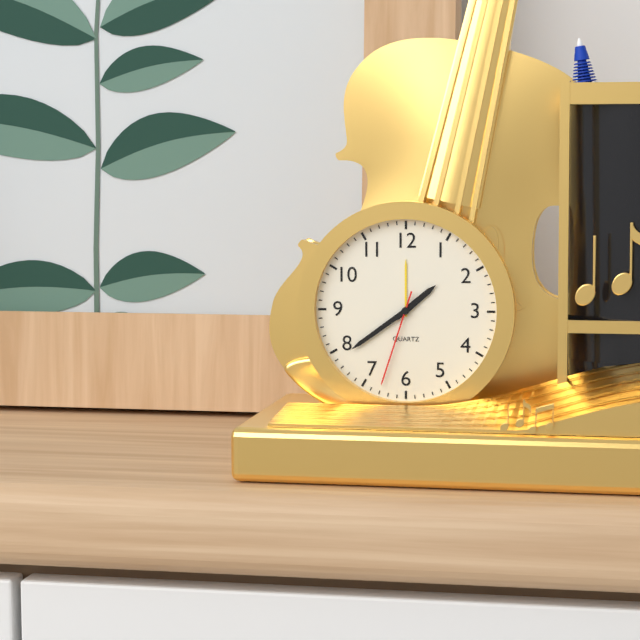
1.39.33
